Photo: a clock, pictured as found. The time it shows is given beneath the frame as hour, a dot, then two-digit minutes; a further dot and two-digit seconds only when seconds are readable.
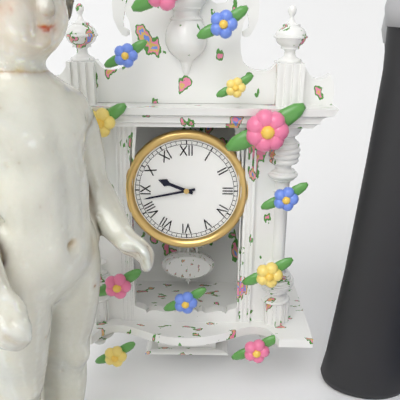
9.43
